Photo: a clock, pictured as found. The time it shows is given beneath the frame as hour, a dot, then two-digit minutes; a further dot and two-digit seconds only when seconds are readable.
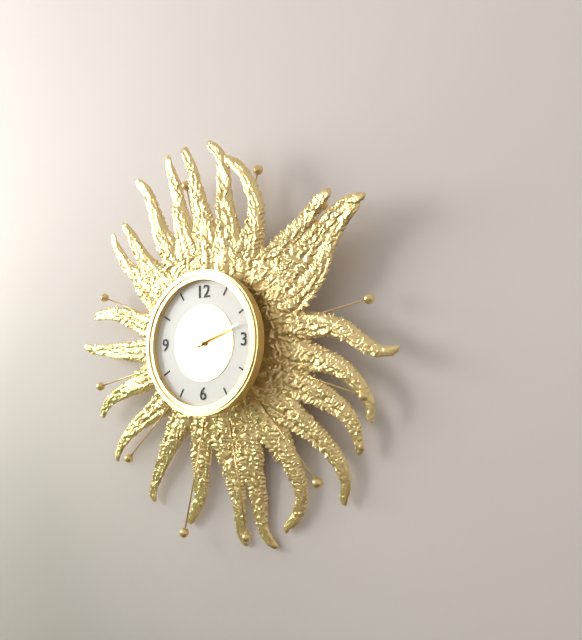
2.12
